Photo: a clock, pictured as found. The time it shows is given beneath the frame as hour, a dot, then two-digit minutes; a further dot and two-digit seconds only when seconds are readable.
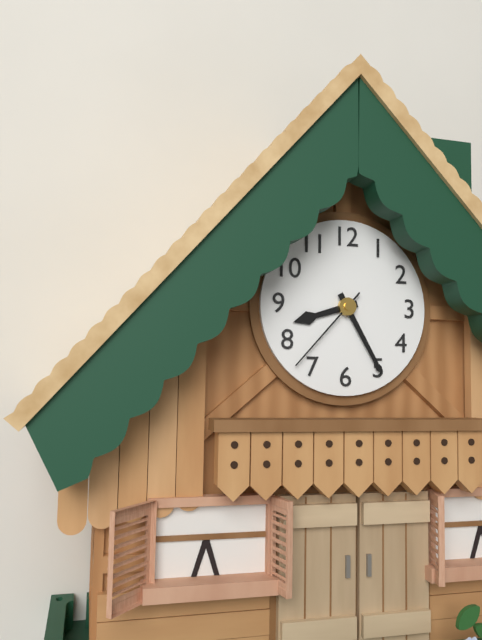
8.25.37
